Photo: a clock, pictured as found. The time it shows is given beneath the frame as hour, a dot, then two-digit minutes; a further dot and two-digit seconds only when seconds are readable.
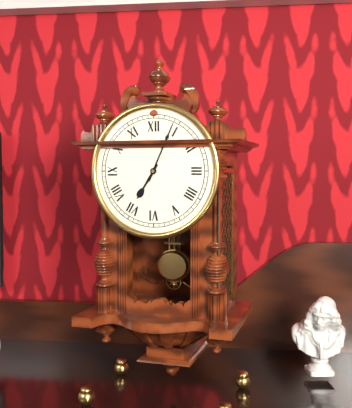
7.04
